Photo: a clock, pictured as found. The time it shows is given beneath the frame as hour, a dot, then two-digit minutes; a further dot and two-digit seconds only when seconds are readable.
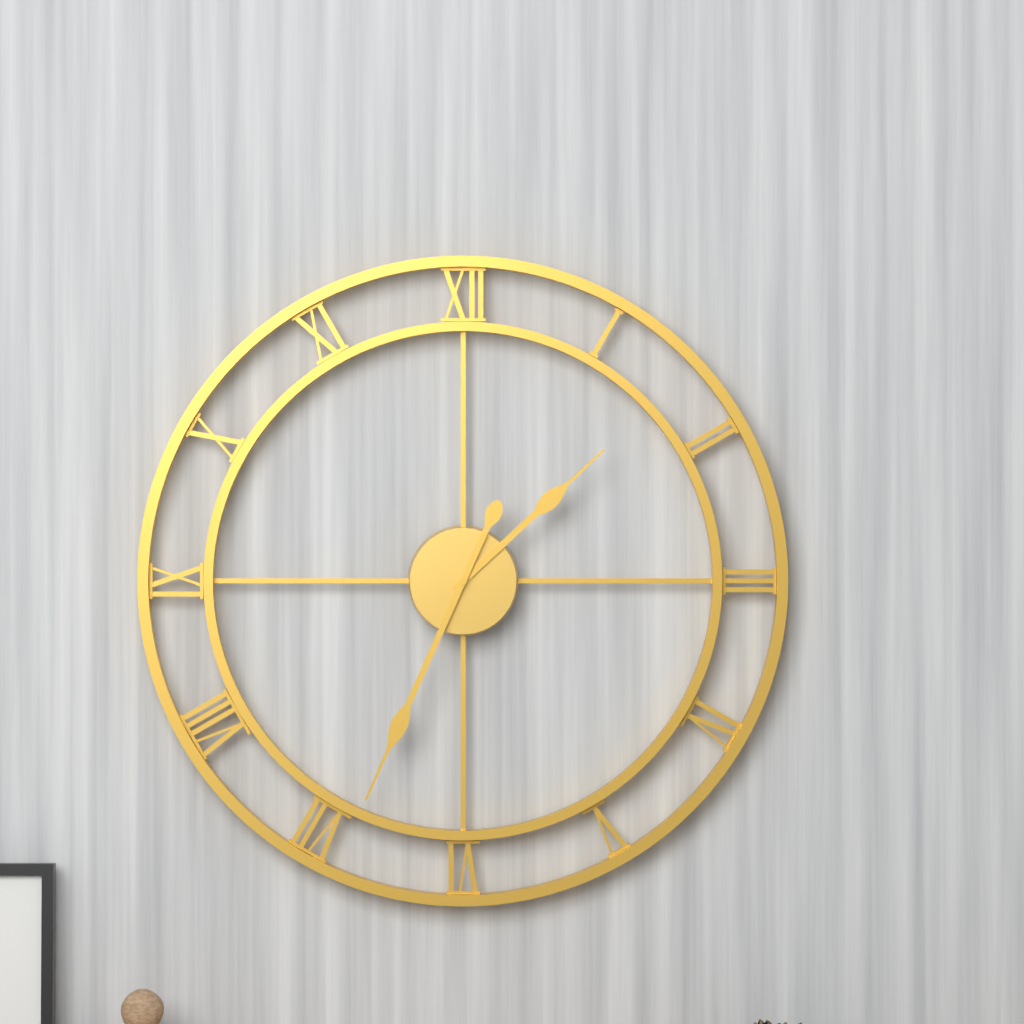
1.34
